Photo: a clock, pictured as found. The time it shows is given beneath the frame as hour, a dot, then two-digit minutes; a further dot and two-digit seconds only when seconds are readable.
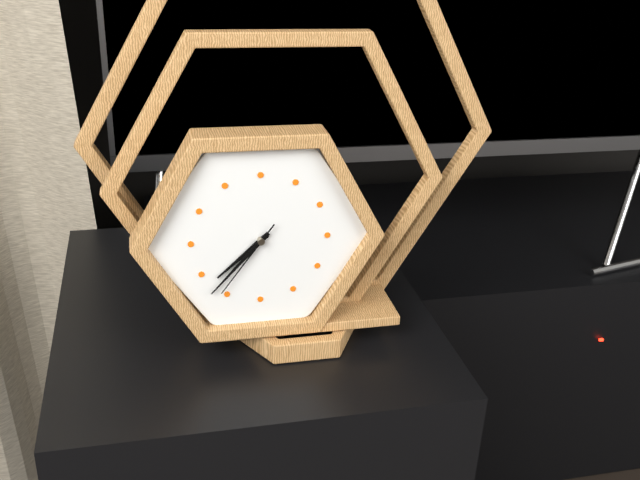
7.37.36
